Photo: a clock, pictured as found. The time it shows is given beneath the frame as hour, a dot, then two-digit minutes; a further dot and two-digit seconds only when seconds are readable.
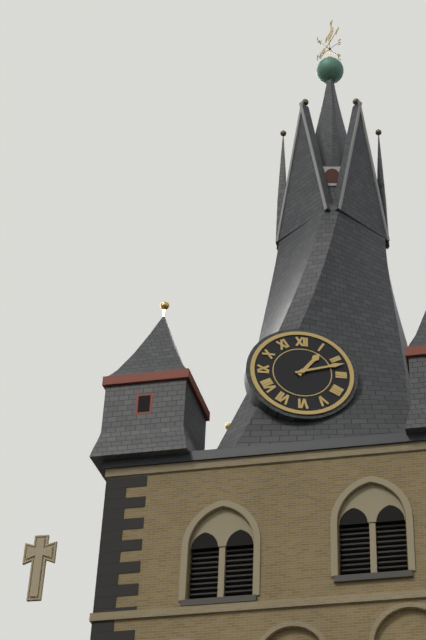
1.12
